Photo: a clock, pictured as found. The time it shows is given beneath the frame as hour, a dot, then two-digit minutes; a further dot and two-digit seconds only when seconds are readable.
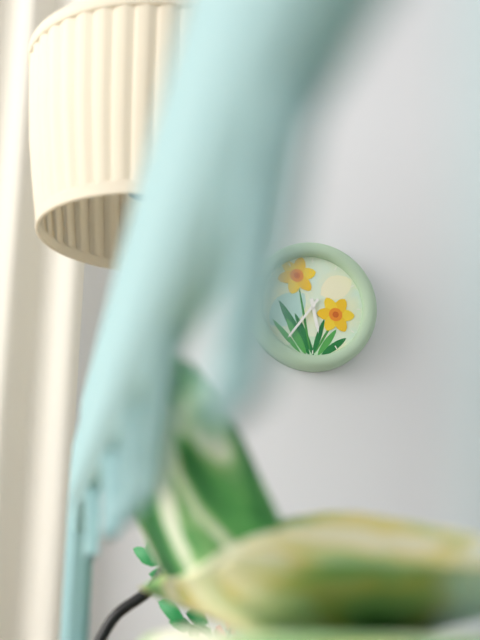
5.36
